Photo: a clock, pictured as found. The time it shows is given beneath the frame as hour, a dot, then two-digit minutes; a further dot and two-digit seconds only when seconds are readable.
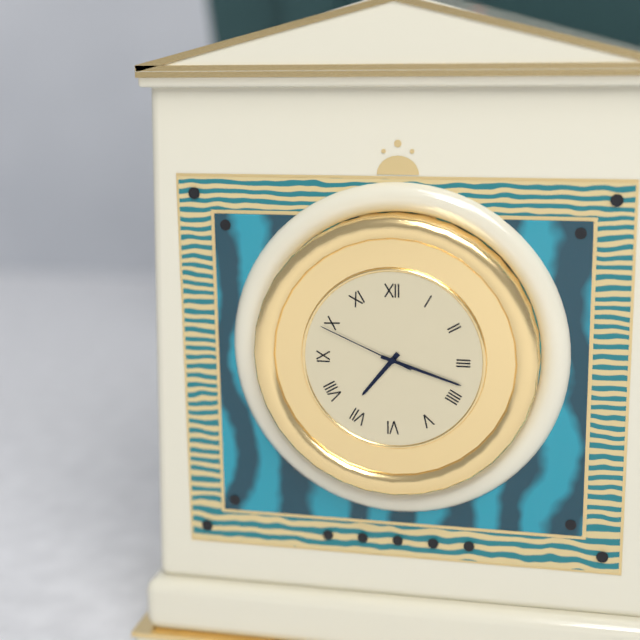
7.18.49
